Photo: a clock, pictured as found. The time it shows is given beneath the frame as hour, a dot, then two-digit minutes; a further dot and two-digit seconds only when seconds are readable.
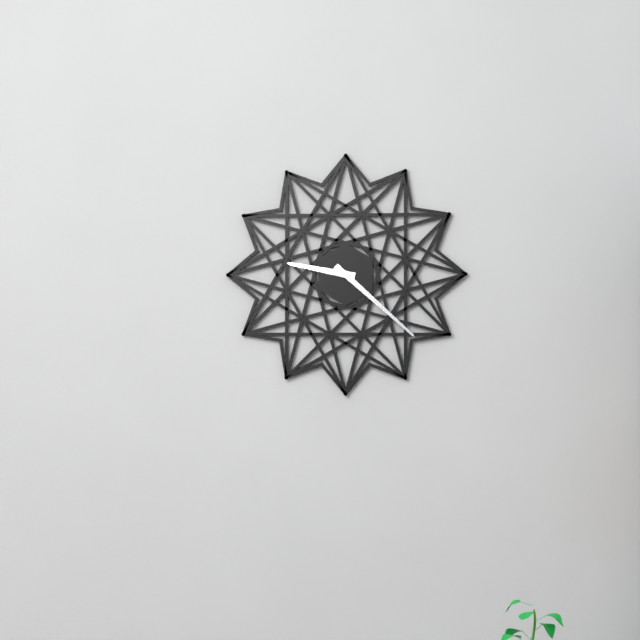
9.22
